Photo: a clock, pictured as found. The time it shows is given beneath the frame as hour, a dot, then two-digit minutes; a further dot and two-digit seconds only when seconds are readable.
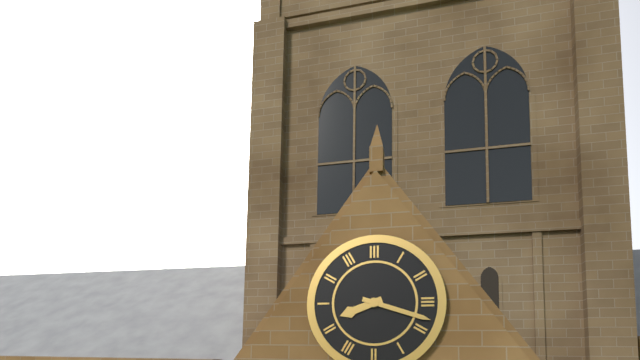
8.18
